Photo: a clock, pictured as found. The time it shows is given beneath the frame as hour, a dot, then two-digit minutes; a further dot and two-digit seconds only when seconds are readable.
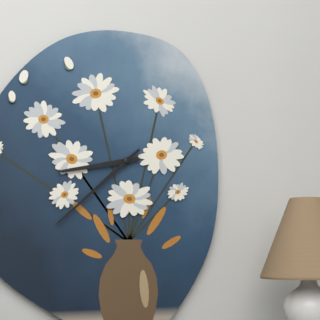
8.38
